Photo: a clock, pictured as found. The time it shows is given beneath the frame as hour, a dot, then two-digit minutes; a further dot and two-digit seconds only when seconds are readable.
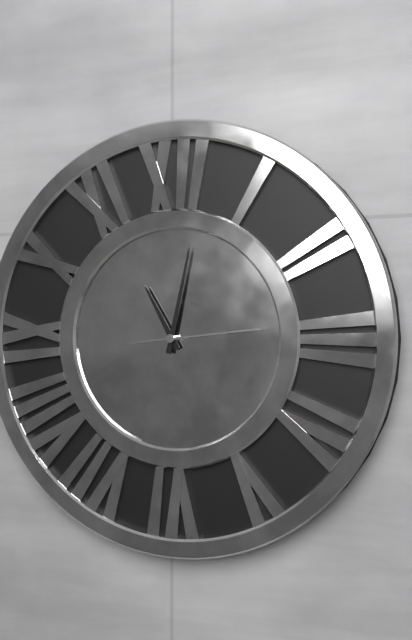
11.02.14
